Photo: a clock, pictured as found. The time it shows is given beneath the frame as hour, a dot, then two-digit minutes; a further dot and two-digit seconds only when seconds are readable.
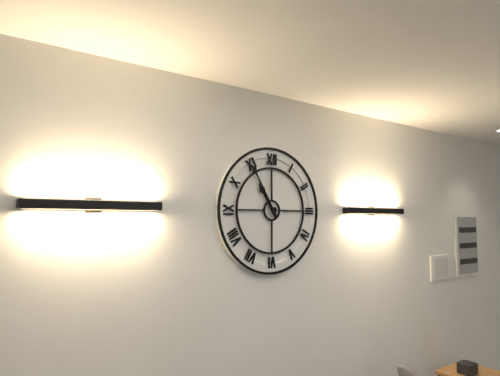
10.55
